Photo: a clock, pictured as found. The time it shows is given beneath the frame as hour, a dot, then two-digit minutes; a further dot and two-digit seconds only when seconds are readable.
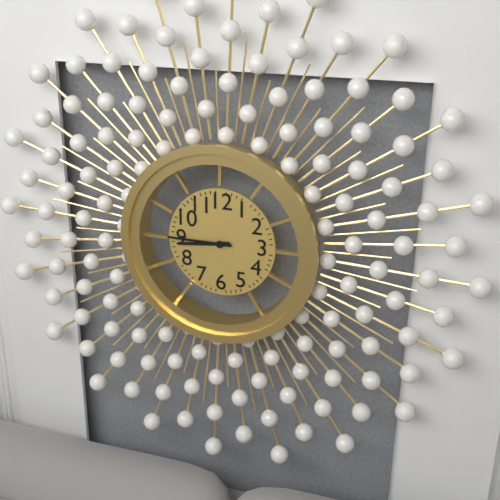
8.45
